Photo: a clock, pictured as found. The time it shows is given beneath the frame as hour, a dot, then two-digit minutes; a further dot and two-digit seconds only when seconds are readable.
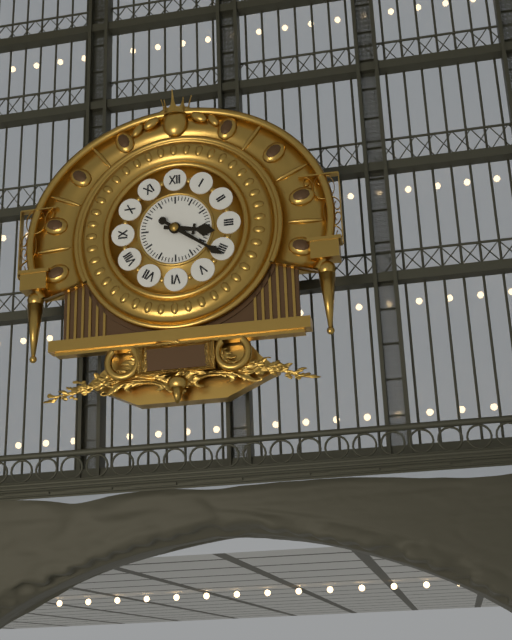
3.21
